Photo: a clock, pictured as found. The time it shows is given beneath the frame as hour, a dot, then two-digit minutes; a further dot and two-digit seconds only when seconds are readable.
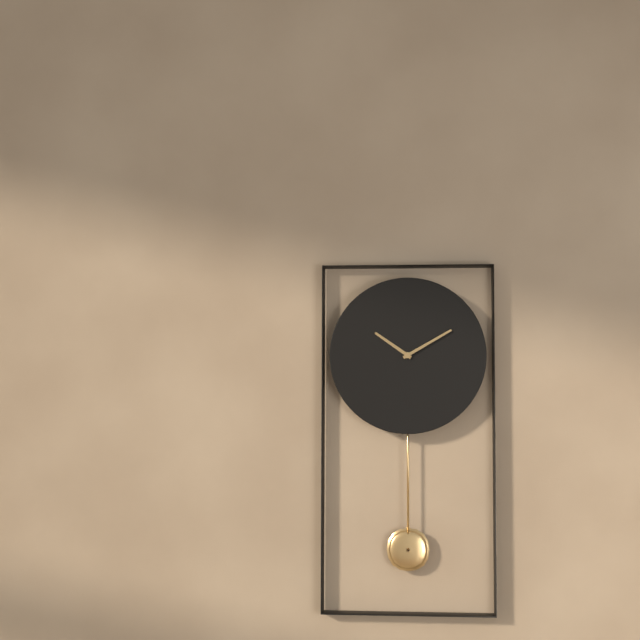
10.10
